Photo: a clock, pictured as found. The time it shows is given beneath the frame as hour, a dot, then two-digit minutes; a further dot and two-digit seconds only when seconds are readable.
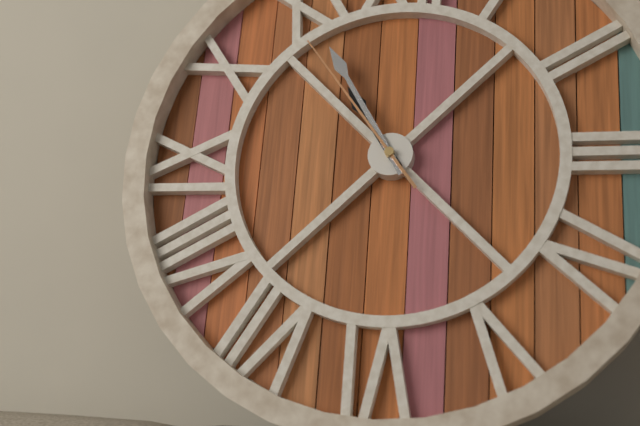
10.55.54
